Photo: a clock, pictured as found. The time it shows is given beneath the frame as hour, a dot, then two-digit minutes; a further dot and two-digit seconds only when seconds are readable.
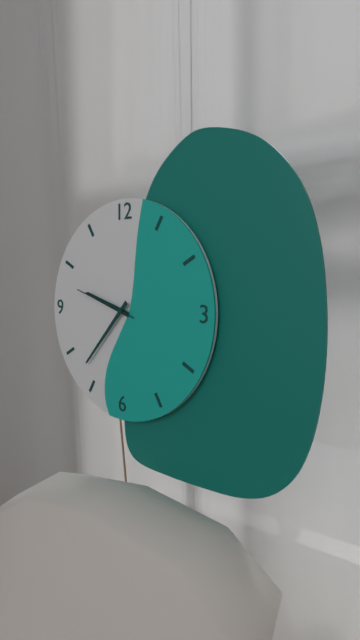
9.37.48
